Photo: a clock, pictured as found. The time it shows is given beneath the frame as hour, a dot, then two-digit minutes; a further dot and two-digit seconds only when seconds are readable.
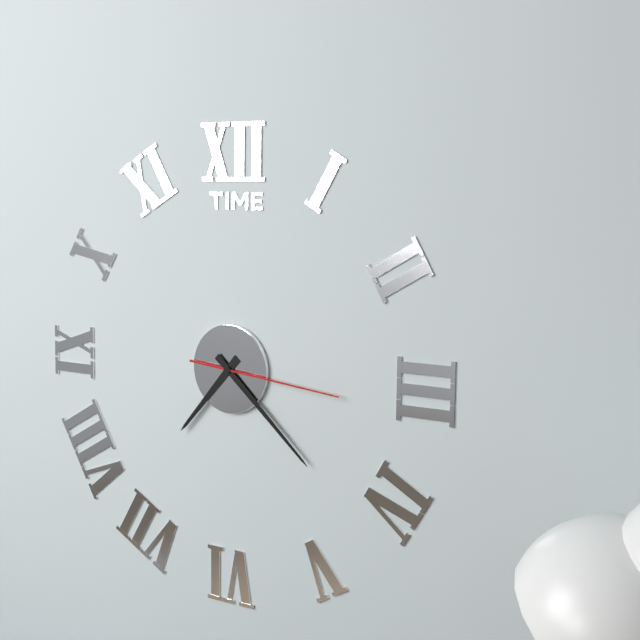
7.22.16
